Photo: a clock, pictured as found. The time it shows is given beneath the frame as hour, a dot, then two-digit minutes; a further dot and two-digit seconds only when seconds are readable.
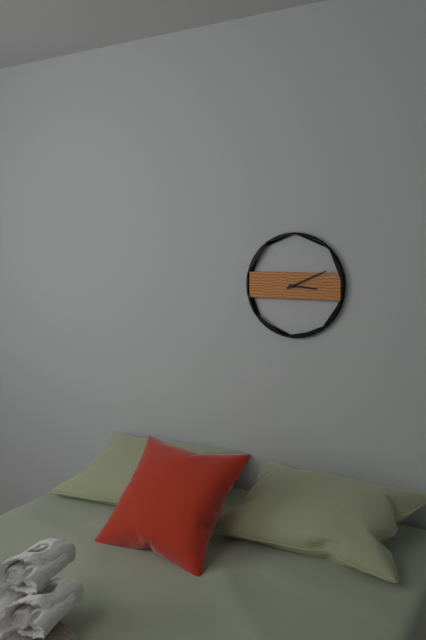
3.11
